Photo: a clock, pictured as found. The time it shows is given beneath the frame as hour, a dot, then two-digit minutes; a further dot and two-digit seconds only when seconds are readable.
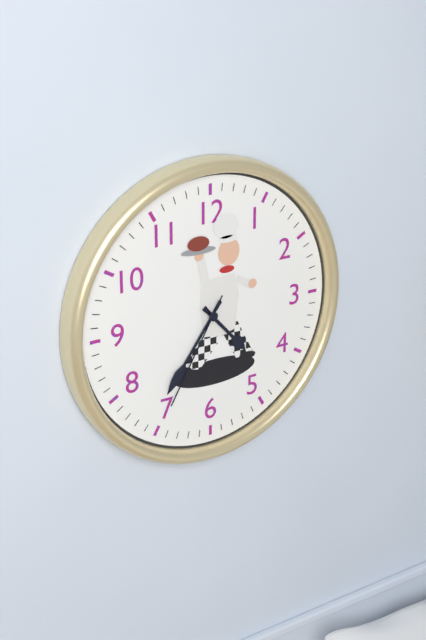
4.36.35
